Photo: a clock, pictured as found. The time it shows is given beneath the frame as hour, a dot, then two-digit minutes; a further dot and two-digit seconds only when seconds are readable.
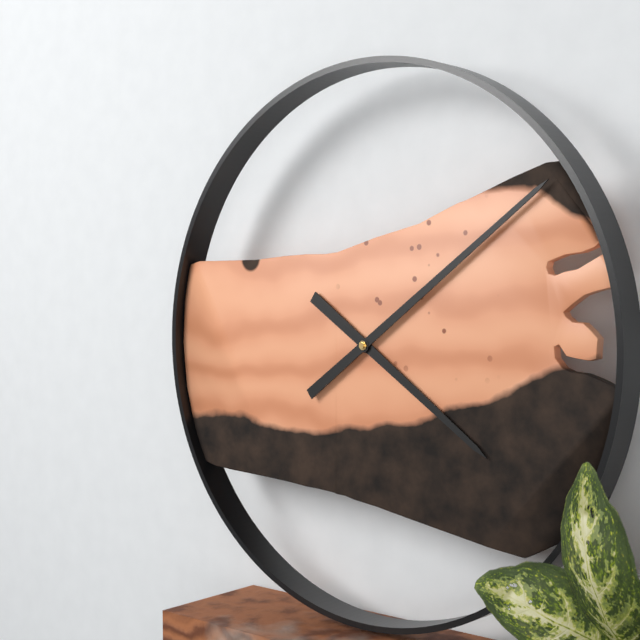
4.09
